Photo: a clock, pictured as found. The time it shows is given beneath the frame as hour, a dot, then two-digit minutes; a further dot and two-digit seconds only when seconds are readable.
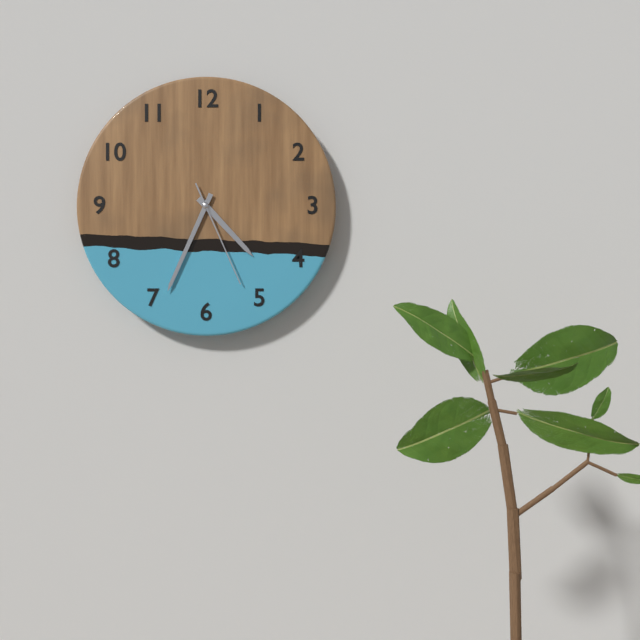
4.34.26
